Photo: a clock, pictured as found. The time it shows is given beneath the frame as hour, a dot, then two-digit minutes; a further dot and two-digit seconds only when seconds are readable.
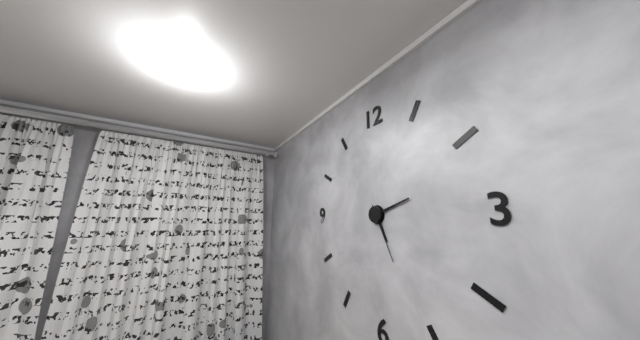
5.12.26
